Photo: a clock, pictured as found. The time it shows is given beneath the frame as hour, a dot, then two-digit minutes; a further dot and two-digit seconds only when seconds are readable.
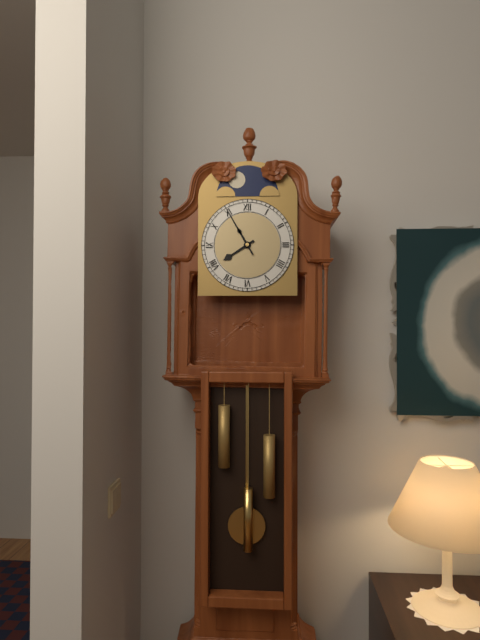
7.55
